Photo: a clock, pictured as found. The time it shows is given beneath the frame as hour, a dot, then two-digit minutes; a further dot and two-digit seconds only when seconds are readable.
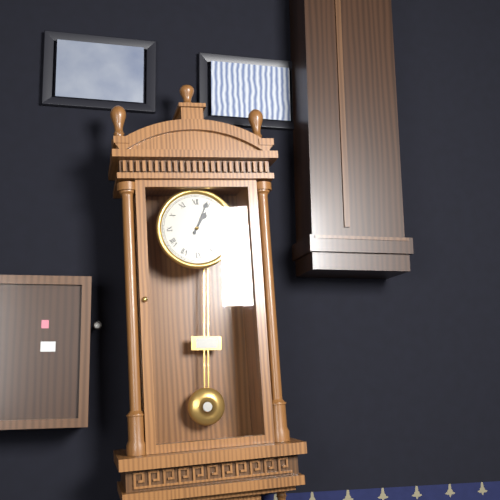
1.04
